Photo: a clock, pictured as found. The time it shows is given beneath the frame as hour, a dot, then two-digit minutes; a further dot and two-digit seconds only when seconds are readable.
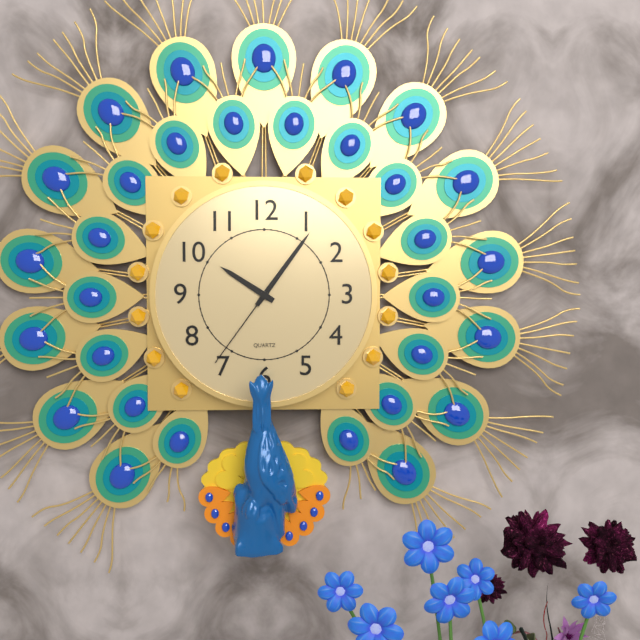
10.06.36
